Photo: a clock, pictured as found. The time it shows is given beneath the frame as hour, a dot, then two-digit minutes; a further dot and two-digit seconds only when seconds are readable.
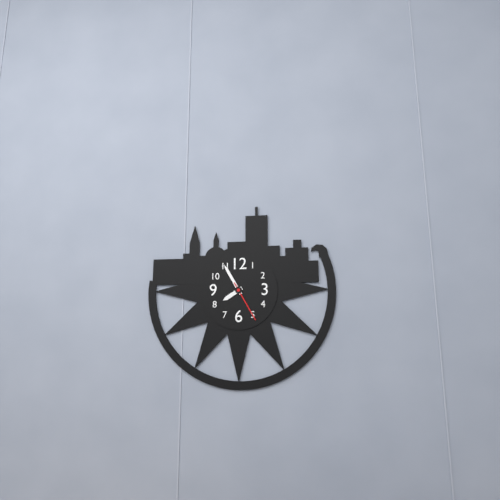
7.55
